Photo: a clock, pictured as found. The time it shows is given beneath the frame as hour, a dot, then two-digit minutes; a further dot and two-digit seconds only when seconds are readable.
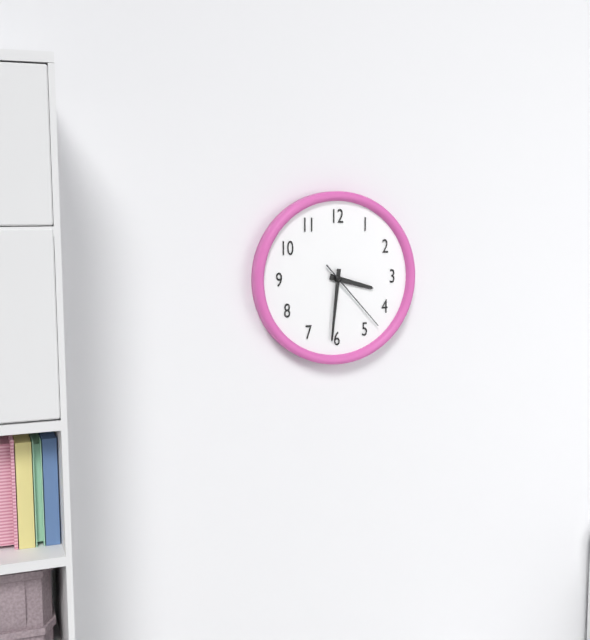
3.31.23
